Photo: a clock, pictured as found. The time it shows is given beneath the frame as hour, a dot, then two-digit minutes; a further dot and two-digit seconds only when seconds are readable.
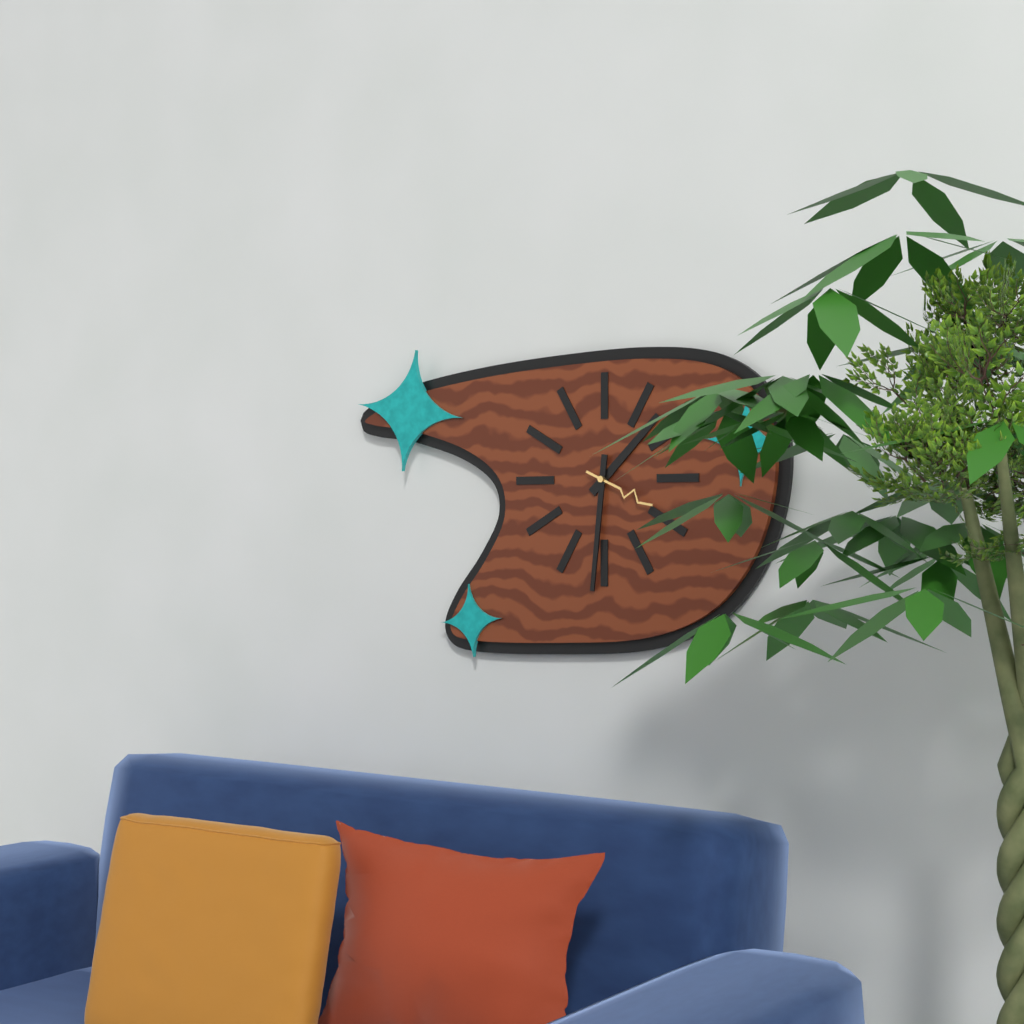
1.31.19
